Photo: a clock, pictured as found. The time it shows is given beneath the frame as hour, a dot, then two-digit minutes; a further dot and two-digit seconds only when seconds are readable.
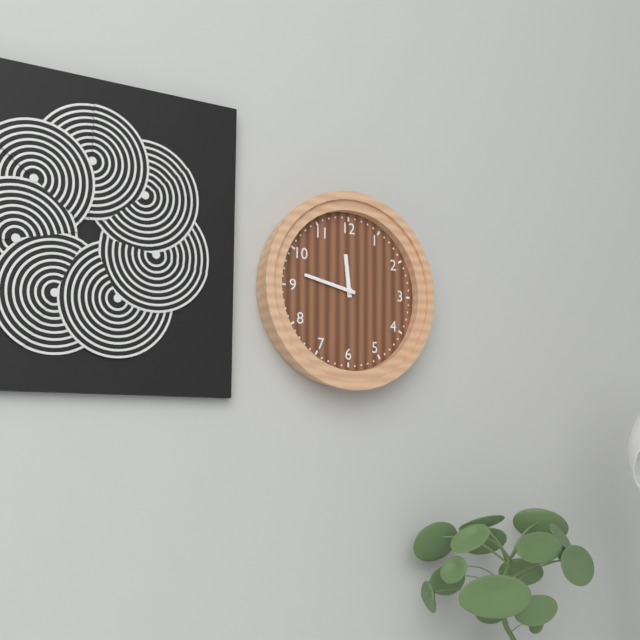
11.47
